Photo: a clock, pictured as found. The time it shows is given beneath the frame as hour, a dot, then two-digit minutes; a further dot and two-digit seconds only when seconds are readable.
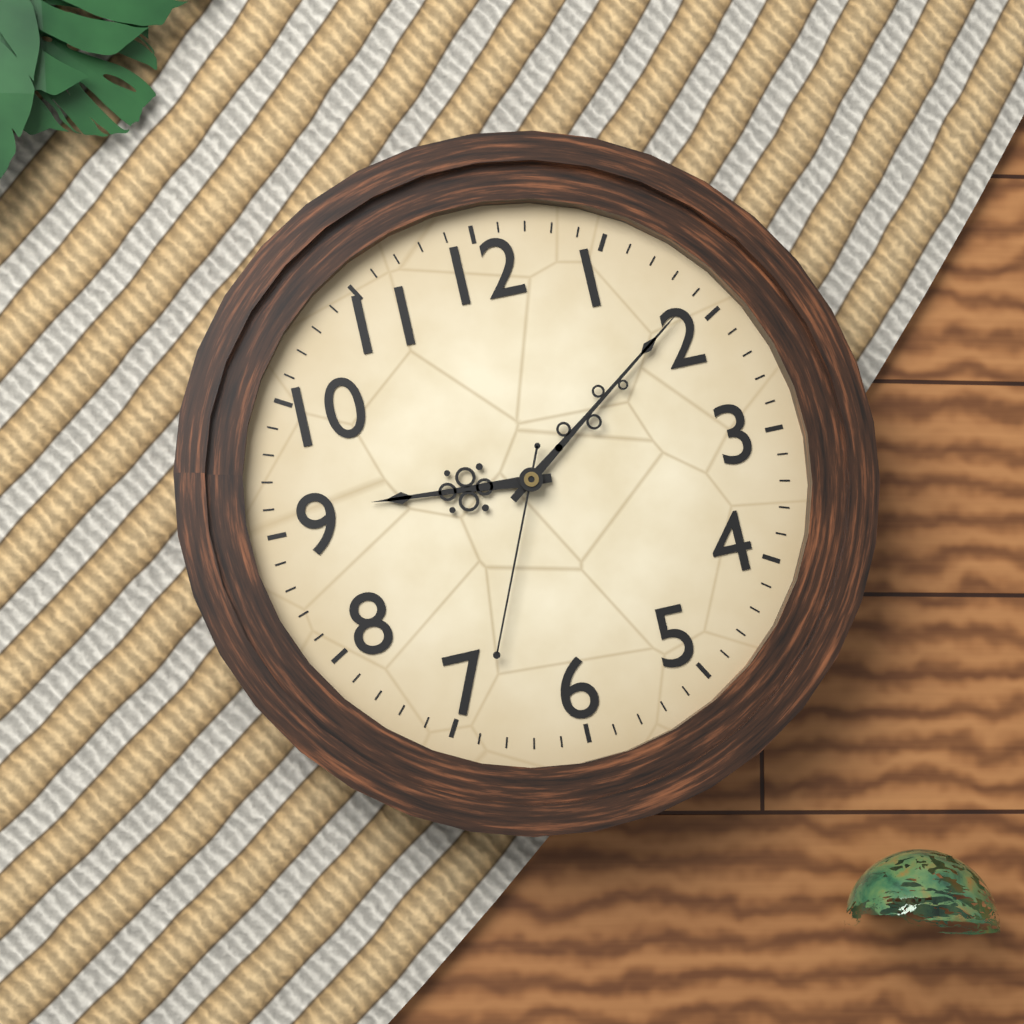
9.09.34
